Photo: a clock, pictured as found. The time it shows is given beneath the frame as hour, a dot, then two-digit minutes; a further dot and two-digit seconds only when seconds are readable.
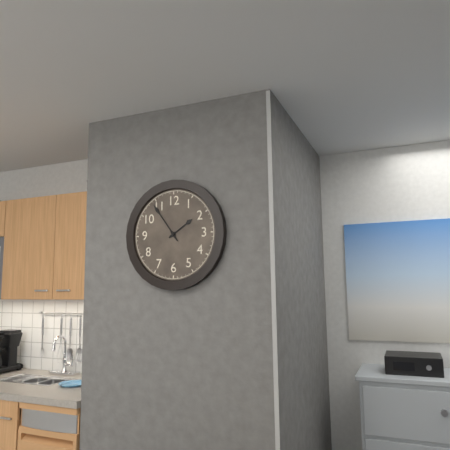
1.54
